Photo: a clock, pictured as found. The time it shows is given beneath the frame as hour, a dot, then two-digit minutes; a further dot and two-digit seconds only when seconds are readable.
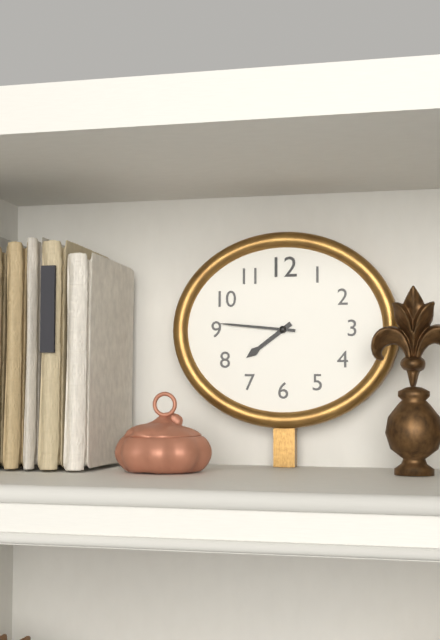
7.46
